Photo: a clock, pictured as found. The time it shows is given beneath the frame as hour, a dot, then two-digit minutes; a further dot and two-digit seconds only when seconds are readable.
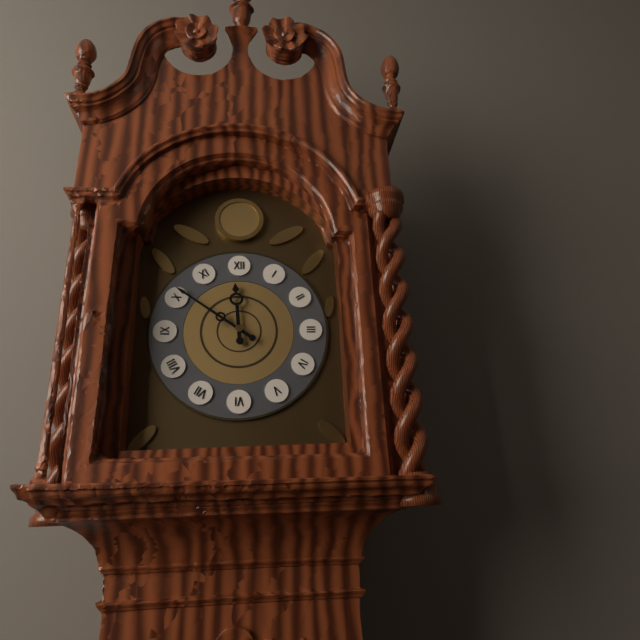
11.51
